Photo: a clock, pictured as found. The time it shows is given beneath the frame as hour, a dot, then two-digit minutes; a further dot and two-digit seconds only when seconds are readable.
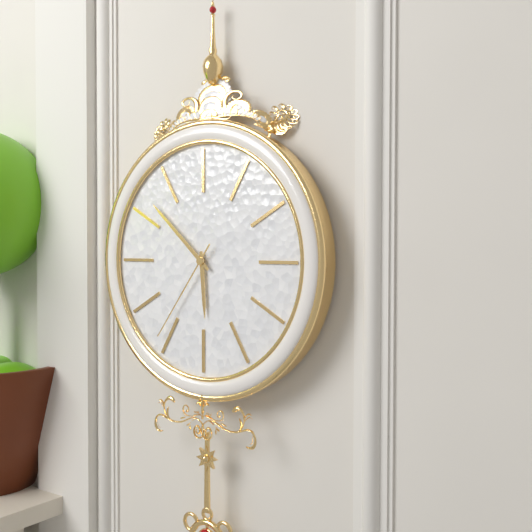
5.52.36
